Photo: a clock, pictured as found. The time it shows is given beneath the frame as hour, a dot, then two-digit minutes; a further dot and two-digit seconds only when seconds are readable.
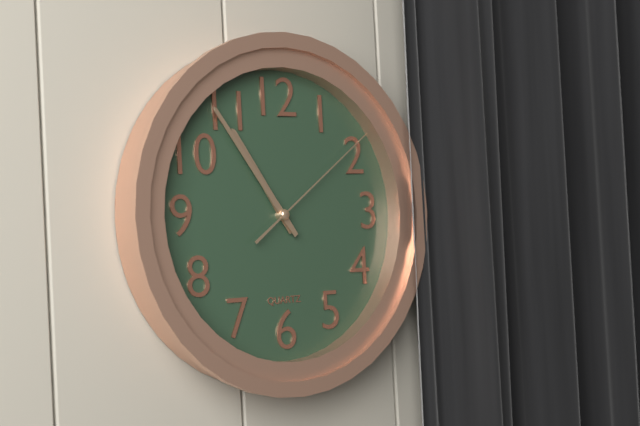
10.54.09
